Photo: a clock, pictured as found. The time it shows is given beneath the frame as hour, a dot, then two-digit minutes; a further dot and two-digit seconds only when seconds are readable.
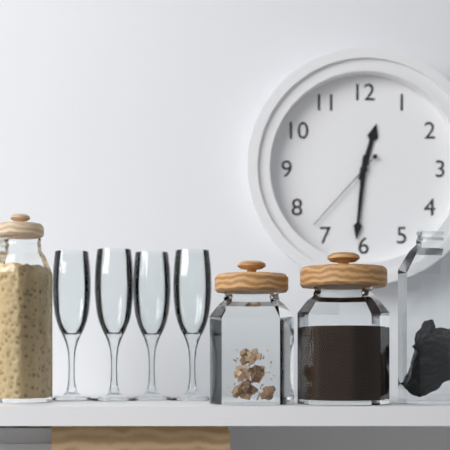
12.31.37
